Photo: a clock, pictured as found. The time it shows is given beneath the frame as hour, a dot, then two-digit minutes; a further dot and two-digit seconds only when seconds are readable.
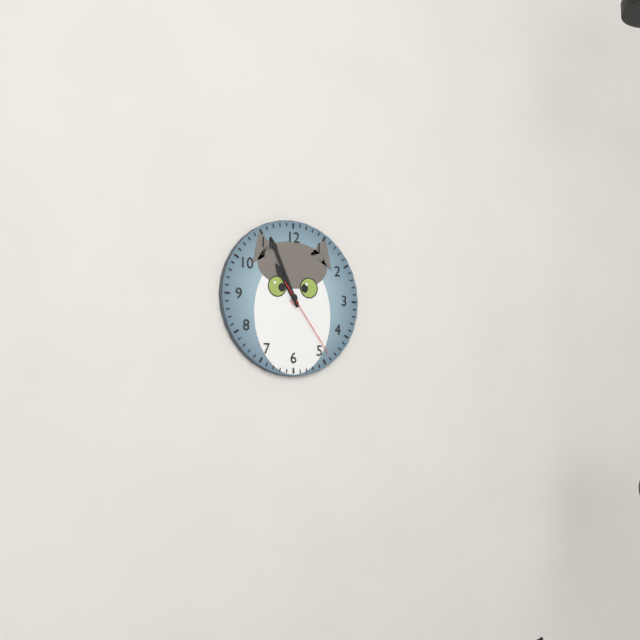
10.56.24
